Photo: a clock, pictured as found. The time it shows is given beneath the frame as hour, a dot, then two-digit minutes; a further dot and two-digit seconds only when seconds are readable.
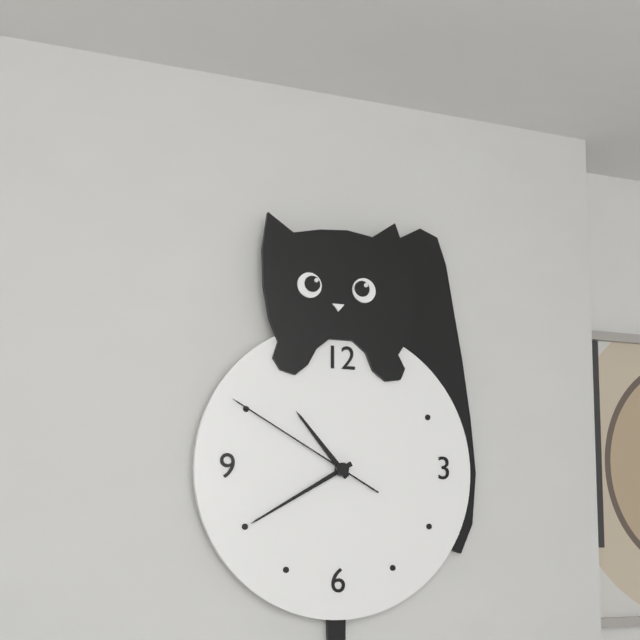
10.40.50
